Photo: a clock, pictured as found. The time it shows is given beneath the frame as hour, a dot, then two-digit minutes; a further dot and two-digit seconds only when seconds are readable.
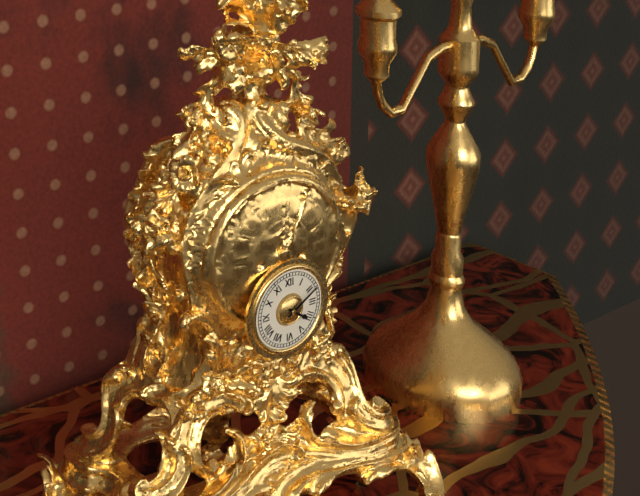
4.10
